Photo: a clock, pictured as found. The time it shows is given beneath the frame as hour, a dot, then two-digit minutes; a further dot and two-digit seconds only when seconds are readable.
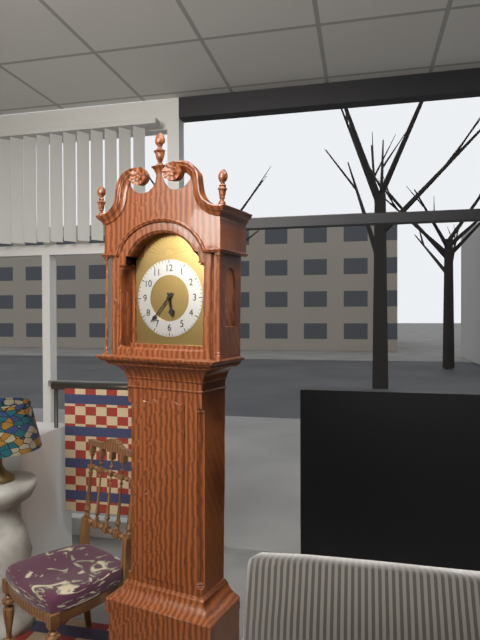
5.37
